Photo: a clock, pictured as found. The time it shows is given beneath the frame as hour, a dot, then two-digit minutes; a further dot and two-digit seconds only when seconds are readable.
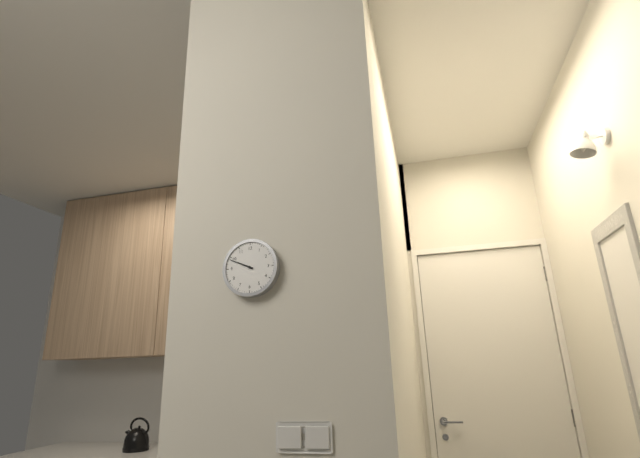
9.49
